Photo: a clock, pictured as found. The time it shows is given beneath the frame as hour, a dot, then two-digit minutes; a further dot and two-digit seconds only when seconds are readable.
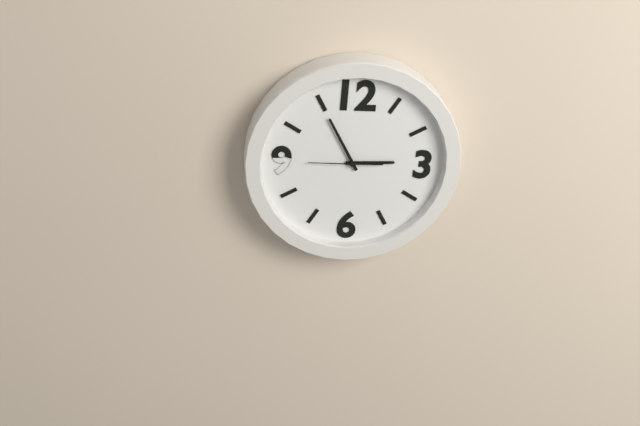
2.55.45
